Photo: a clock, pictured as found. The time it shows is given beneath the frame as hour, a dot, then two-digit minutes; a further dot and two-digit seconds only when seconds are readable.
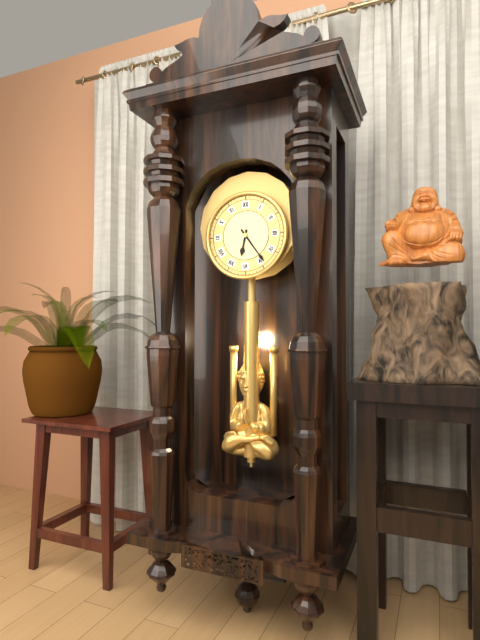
6.24
